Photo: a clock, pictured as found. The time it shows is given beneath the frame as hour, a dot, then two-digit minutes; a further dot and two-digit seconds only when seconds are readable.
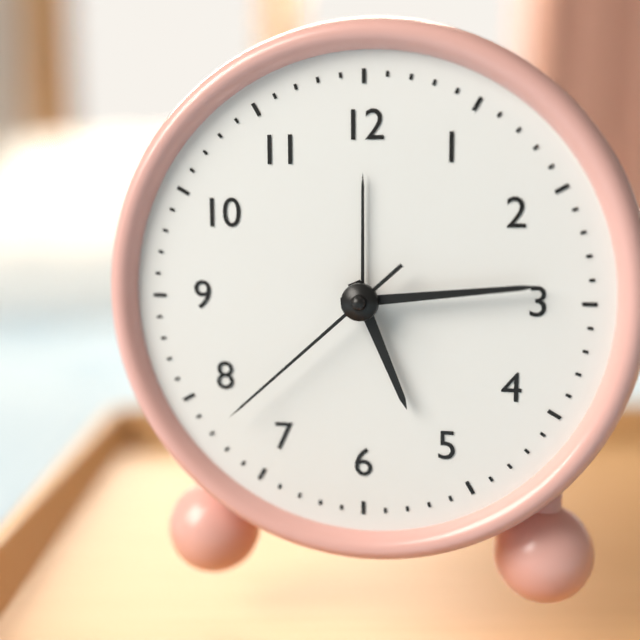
5.14.38
